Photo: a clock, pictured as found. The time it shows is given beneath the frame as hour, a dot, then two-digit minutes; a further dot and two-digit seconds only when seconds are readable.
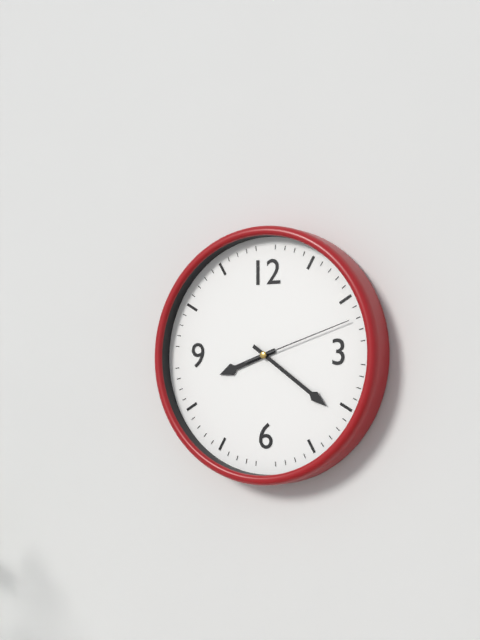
8.21.12
